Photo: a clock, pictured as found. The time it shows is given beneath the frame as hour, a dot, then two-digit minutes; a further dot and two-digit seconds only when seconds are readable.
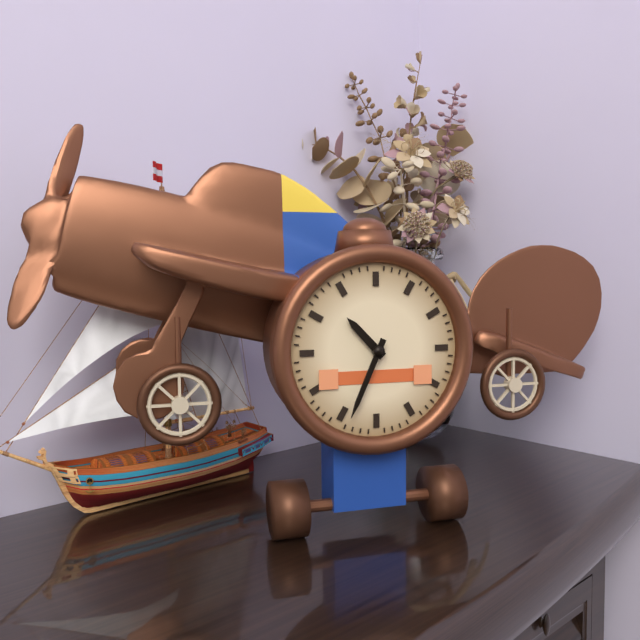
10.34
